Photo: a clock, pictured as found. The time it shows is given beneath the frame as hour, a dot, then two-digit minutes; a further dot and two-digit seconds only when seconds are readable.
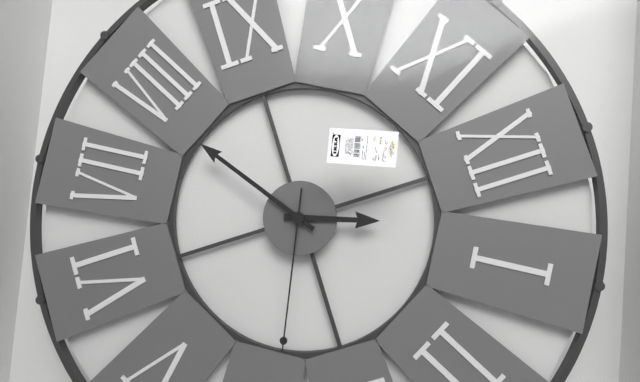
12.39.19
